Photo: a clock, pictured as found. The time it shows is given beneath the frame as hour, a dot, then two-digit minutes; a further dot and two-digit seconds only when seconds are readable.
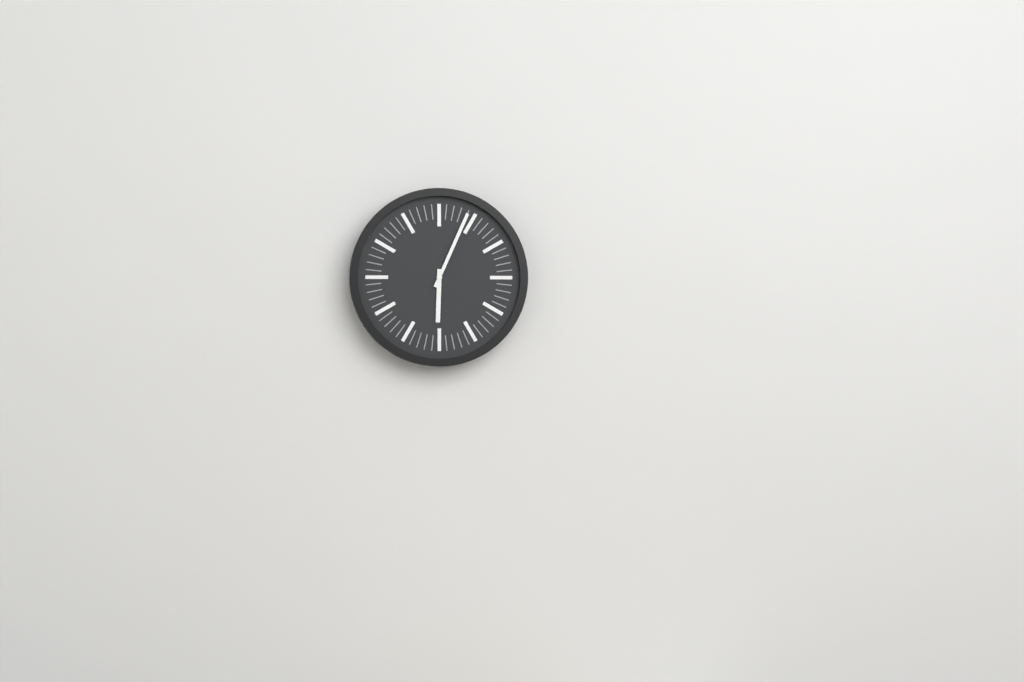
6.04
